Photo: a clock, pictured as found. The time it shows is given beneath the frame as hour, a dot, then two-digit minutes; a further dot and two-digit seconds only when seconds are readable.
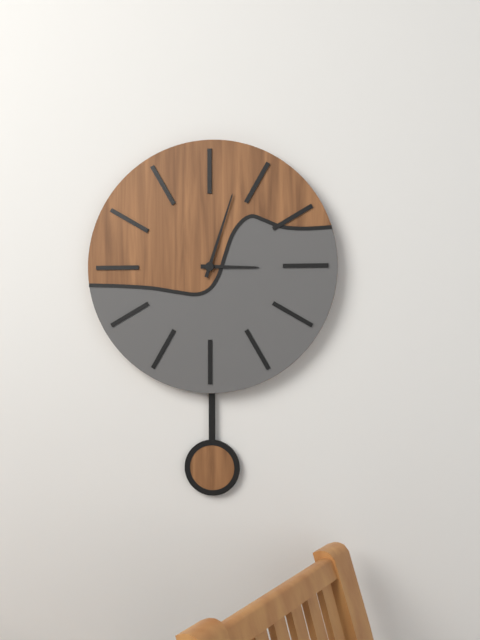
3.03
